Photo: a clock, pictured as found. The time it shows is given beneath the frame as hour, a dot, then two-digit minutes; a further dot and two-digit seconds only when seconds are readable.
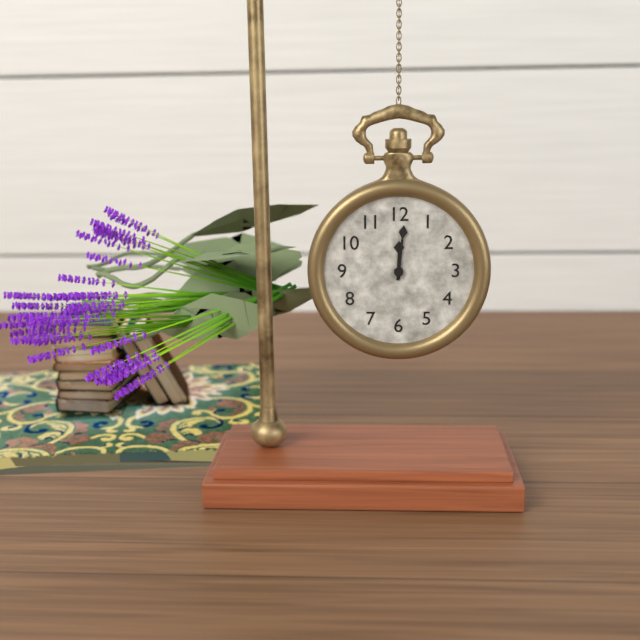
12.01
